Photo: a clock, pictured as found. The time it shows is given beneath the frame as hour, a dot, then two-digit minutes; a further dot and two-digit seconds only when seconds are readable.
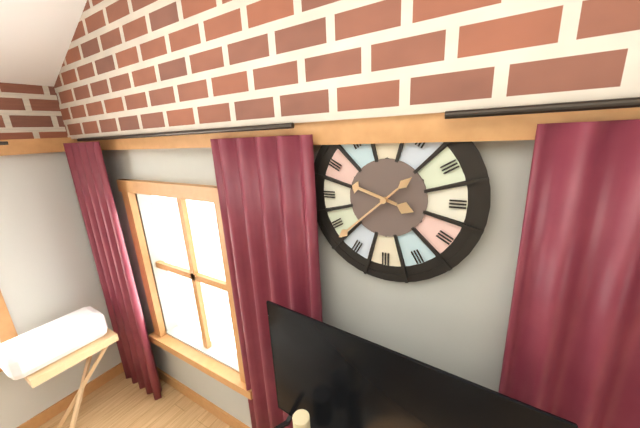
9.38
